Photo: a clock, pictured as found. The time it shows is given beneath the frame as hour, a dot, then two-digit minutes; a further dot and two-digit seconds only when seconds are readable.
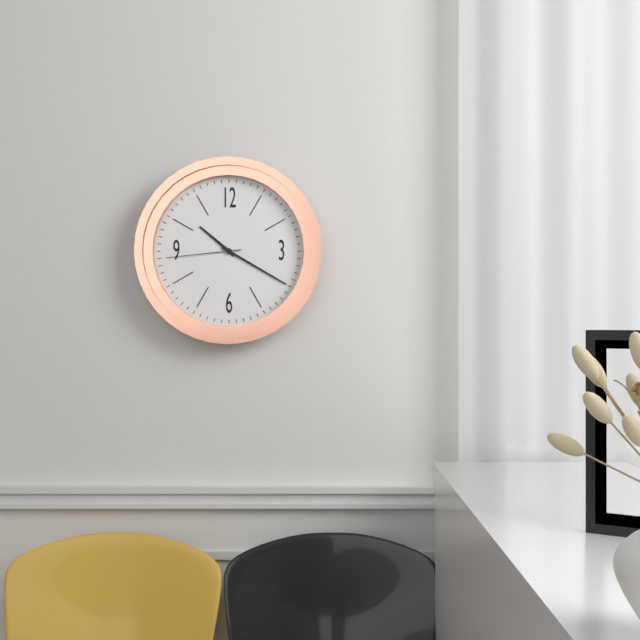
10.20.44
